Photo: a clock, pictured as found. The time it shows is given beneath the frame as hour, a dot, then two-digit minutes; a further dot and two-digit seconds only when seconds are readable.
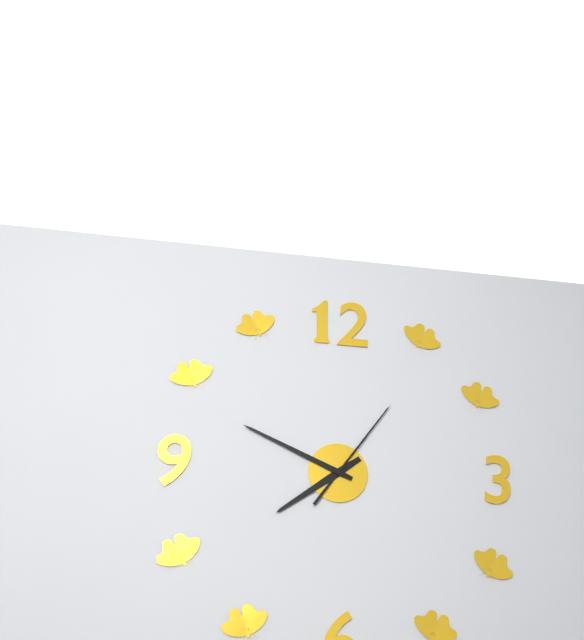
7.49.06
